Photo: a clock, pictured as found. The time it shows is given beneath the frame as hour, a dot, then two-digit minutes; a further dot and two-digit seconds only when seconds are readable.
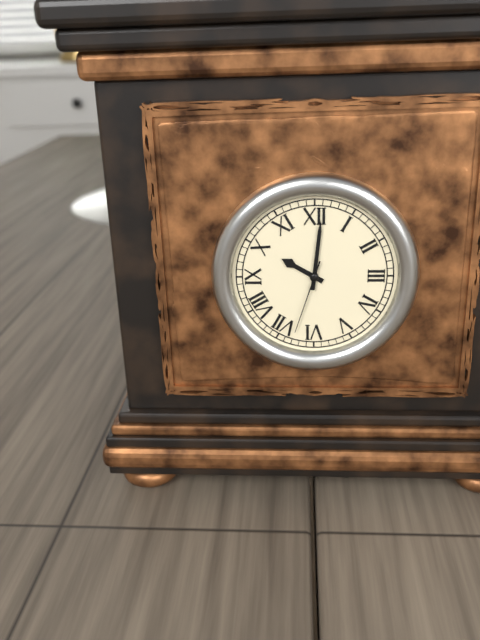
10.01.33
